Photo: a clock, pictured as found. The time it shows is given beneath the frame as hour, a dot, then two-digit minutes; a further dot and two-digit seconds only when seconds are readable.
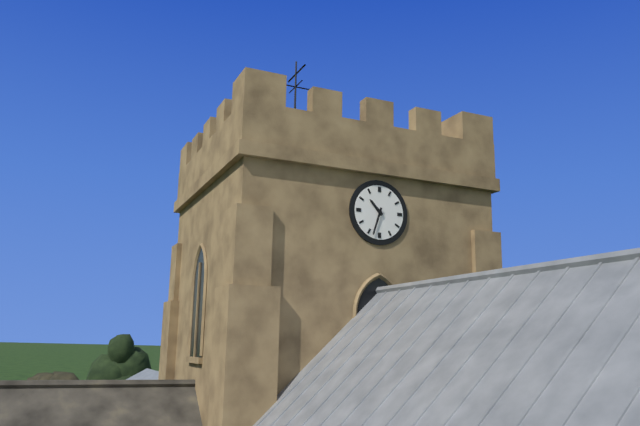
10.33
